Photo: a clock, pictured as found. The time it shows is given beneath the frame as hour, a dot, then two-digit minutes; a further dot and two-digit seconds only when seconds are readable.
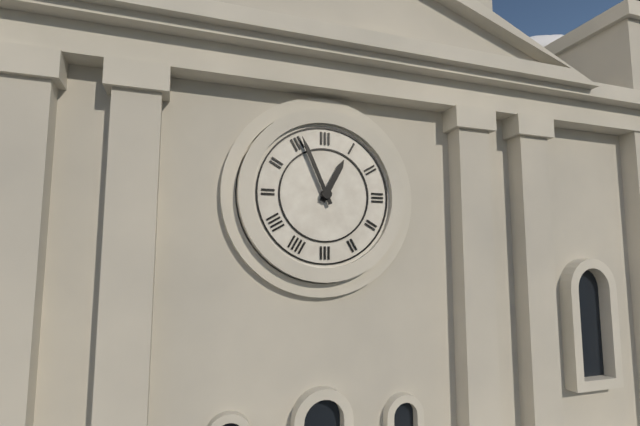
12.56
